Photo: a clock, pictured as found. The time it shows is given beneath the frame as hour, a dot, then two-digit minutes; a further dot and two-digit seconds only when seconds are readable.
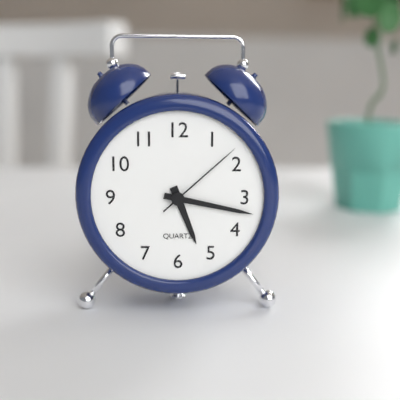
5.17.08
